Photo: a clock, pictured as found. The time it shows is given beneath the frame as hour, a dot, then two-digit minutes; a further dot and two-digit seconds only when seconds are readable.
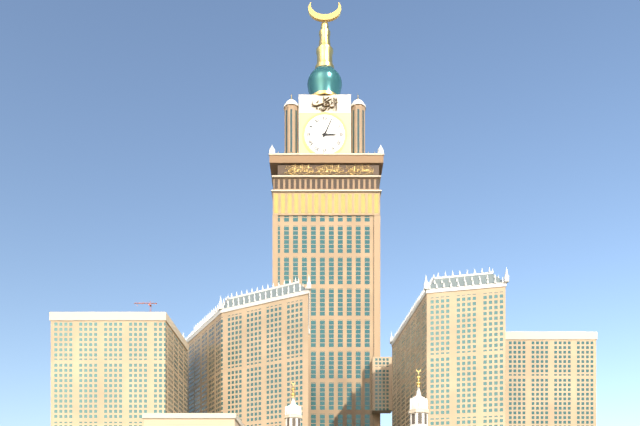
3.04
